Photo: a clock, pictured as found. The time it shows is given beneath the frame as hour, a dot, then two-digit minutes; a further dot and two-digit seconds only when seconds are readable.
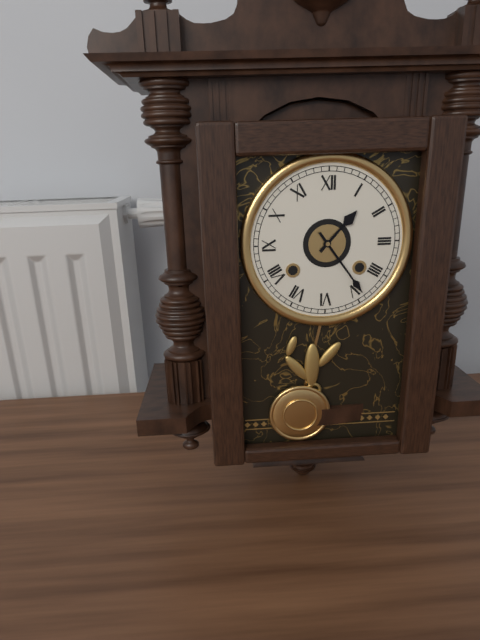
1.24
